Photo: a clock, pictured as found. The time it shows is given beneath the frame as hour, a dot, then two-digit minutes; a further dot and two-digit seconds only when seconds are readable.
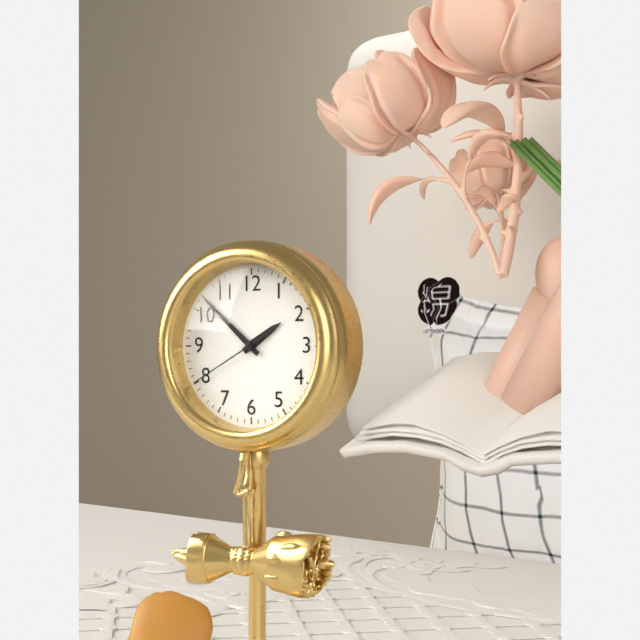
1.52.40
